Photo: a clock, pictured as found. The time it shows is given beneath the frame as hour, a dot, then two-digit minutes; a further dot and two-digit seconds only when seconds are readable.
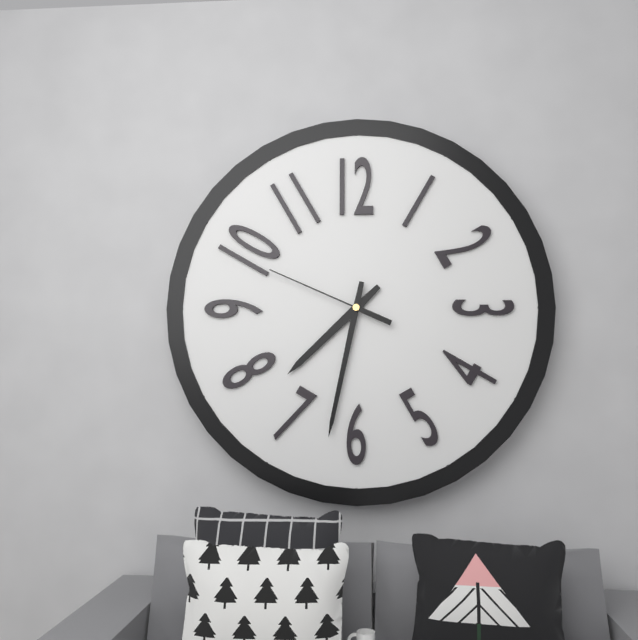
7.32.49
